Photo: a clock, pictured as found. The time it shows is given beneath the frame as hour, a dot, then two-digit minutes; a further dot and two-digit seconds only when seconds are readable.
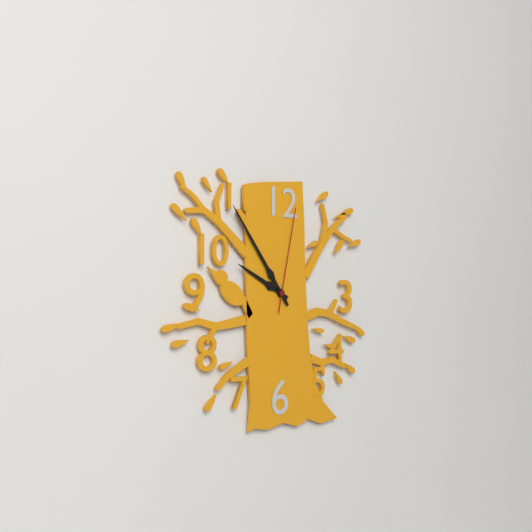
9.54.02
